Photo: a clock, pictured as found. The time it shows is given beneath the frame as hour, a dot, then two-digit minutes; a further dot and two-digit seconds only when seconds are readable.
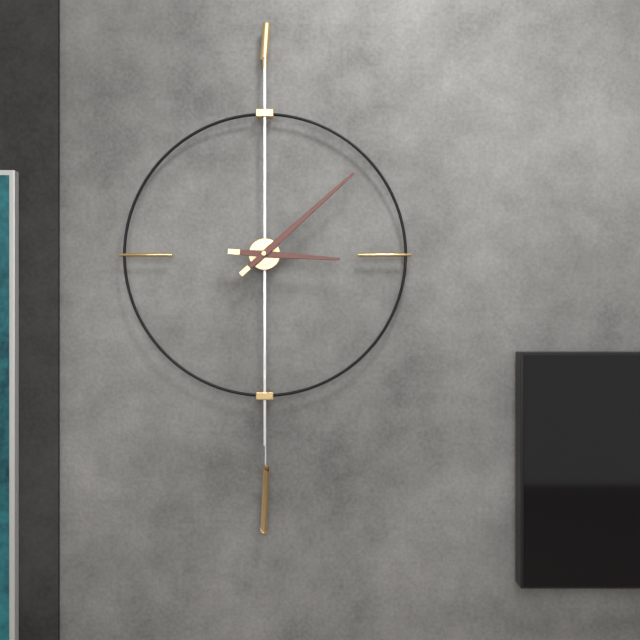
3.08
